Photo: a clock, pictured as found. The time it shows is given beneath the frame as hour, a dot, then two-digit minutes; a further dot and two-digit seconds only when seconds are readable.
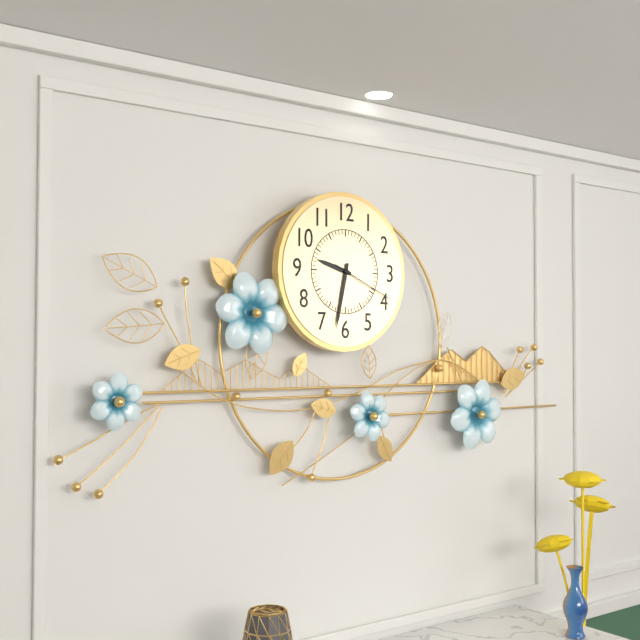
9.32.19
